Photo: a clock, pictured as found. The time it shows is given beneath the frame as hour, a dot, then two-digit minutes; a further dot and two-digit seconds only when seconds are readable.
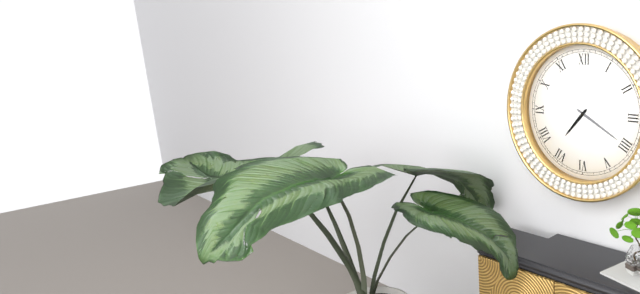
7.20
